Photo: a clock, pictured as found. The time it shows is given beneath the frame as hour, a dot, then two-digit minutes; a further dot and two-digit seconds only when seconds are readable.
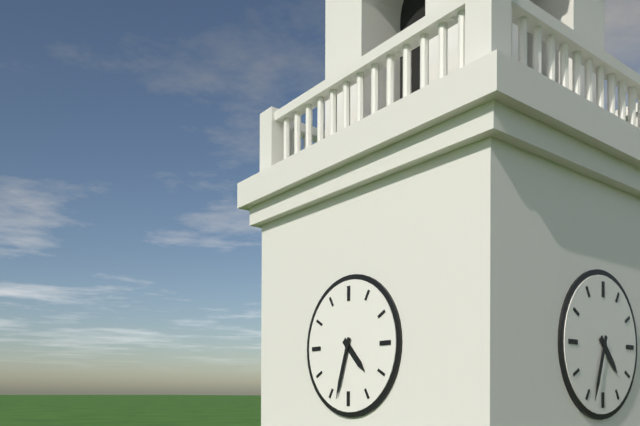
4.33
